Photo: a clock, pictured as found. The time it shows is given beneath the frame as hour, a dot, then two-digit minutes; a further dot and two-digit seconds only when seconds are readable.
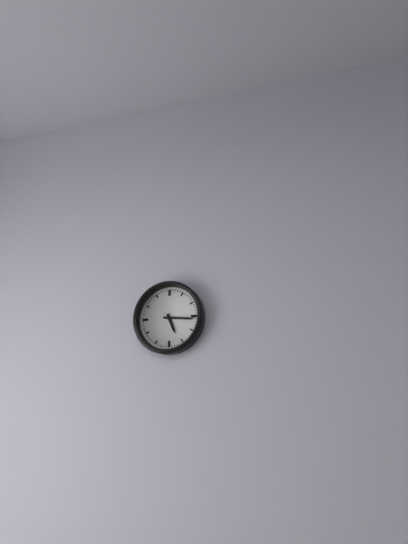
5.16
